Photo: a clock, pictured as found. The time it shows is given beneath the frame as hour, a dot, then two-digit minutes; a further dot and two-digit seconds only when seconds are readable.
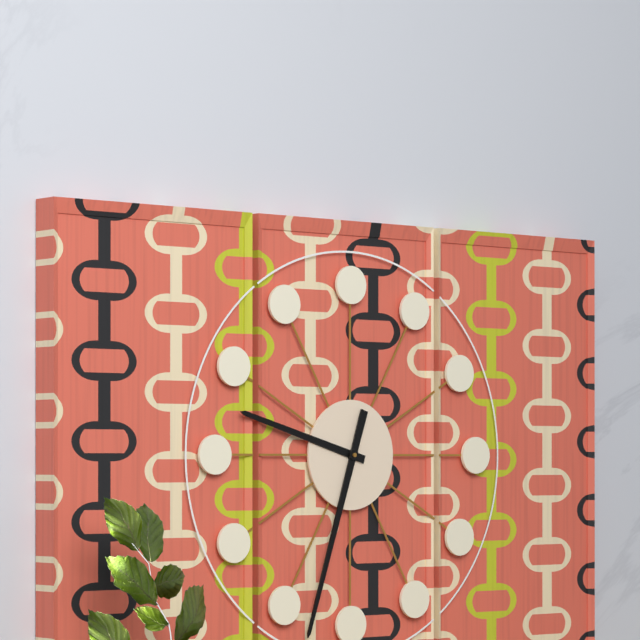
9.33
